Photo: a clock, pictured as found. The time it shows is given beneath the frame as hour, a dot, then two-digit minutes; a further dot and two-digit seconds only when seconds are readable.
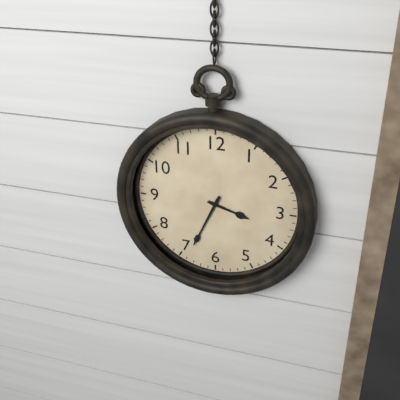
3.34
